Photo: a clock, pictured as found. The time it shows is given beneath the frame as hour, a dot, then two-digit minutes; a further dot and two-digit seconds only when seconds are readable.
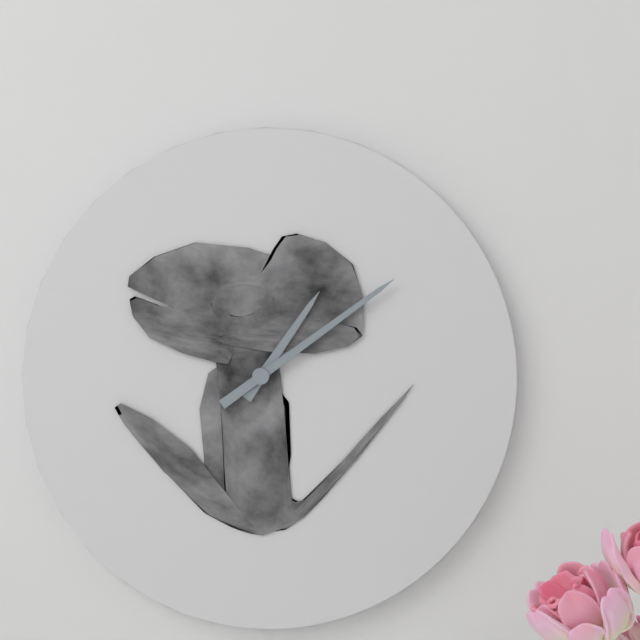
1.09
